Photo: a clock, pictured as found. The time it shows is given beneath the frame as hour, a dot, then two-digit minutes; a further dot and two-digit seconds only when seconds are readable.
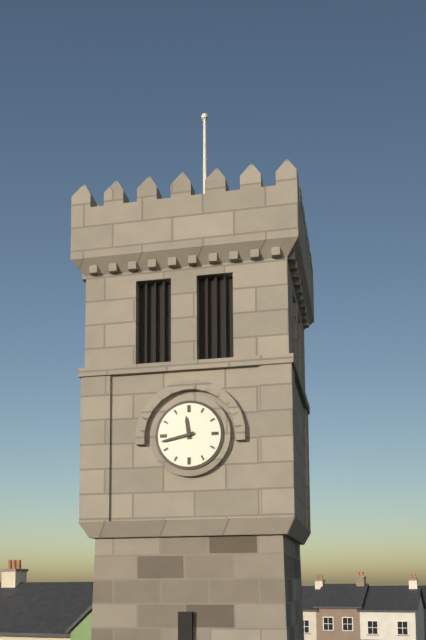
11.43
